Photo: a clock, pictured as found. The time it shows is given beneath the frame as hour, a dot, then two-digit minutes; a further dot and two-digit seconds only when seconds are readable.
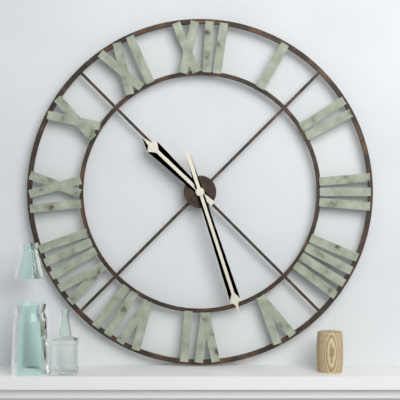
10.27
